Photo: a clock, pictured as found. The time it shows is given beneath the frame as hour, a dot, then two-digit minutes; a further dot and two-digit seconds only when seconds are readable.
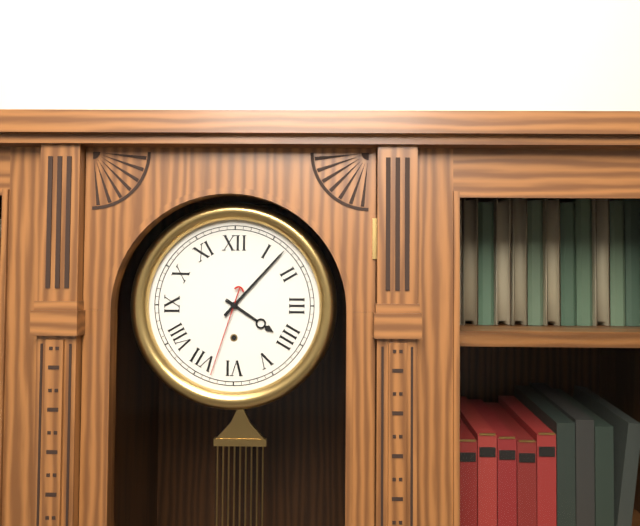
4.07.33
